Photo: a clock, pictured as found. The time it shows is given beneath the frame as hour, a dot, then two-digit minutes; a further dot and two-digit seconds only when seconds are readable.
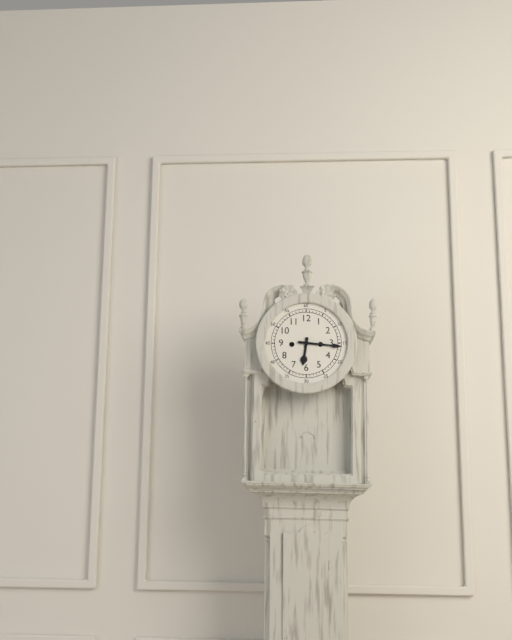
6.16
